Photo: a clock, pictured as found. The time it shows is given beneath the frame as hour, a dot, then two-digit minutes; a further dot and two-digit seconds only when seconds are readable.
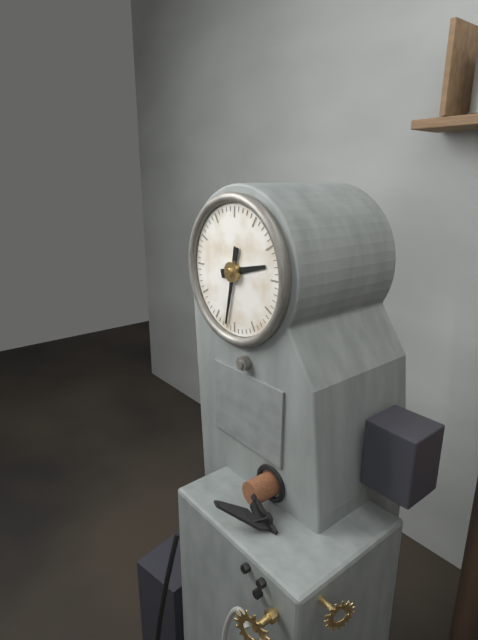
2.32
